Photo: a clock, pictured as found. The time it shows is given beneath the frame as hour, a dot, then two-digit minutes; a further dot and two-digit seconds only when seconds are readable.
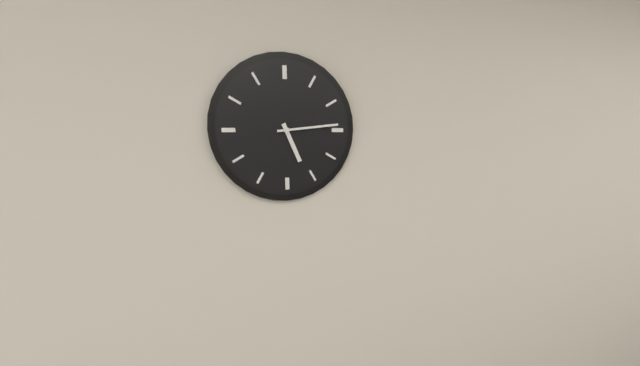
5.14
